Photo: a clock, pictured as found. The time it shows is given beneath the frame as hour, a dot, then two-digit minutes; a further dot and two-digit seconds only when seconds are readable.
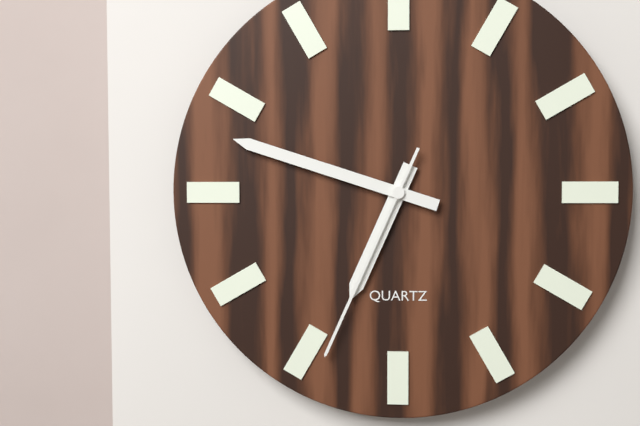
6.48.34
